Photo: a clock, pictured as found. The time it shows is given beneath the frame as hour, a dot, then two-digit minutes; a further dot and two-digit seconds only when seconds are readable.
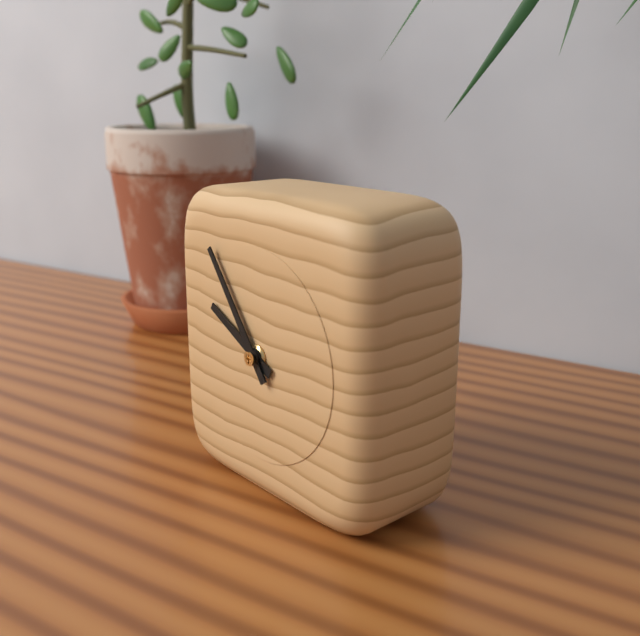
9.54
